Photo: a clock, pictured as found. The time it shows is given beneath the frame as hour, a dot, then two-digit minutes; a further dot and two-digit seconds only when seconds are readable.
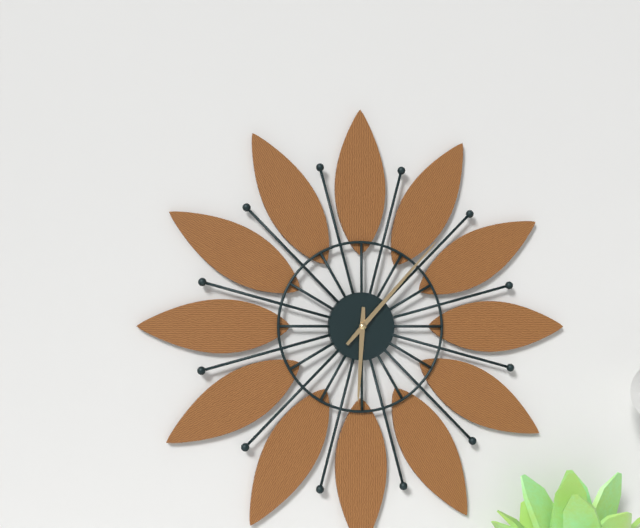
6.07
